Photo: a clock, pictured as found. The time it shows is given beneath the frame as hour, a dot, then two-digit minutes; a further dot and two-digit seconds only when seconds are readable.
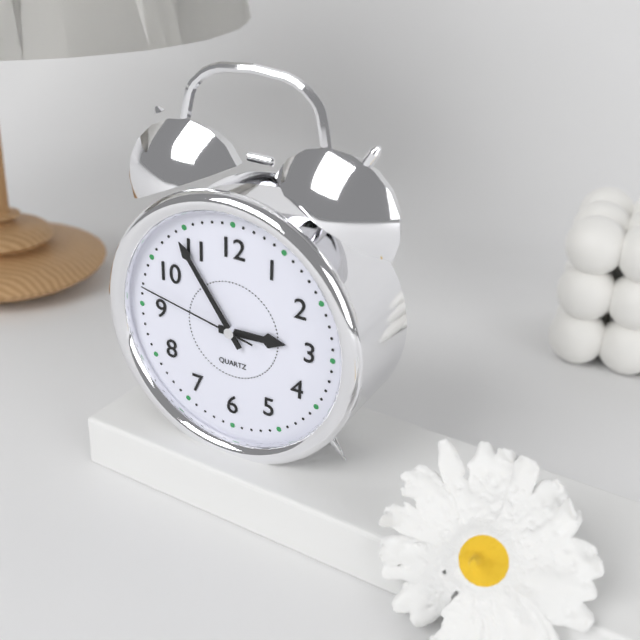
2.54.47
